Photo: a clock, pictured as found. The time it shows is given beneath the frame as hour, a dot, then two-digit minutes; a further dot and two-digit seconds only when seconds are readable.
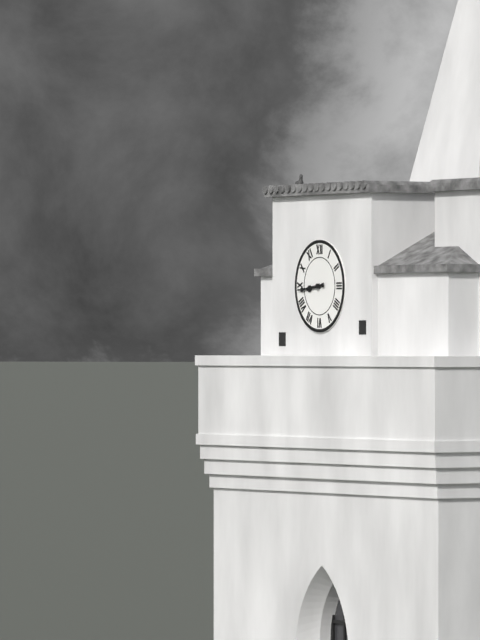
8.44
